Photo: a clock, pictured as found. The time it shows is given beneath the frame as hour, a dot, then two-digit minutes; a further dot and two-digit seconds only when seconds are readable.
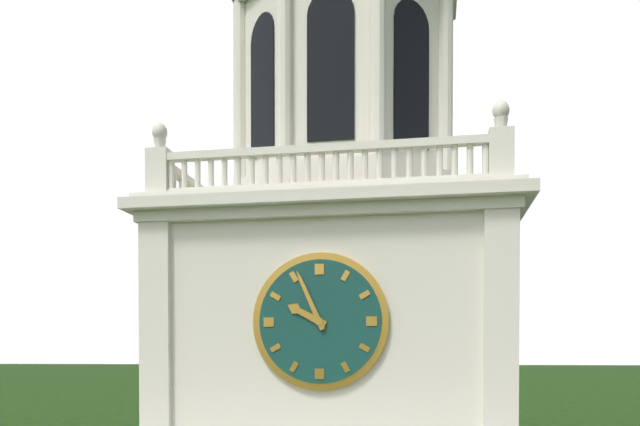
9.56
